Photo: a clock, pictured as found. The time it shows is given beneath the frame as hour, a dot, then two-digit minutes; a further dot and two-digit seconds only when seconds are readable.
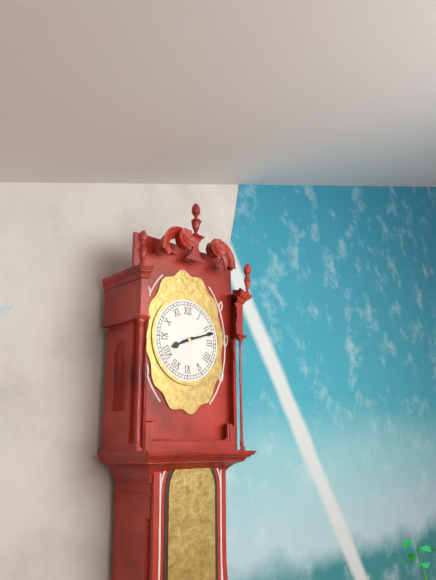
8.12
